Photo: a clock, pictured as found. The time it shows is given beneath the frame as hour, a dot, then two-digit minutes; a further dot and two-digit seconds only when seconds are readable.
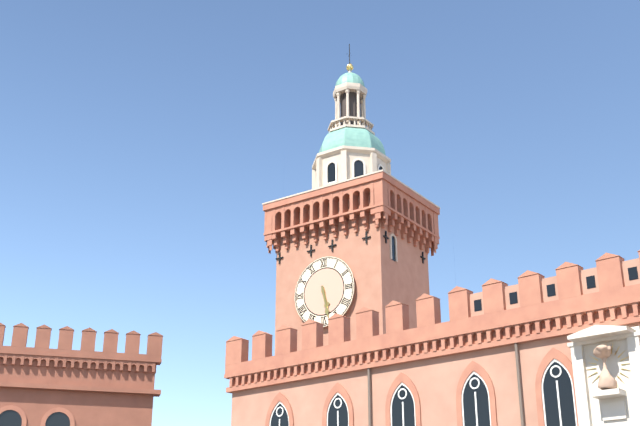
5.28
